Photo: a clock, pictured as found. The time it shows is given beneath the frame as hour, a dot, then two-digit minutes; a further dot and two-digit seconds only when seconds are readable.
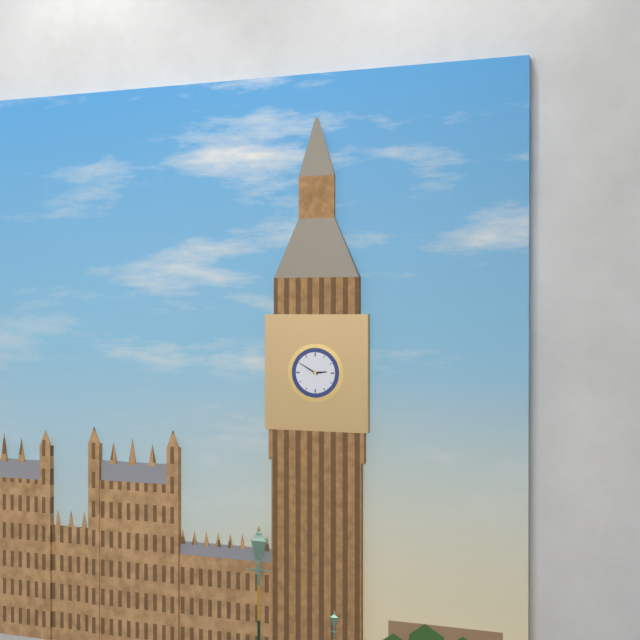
2.50
